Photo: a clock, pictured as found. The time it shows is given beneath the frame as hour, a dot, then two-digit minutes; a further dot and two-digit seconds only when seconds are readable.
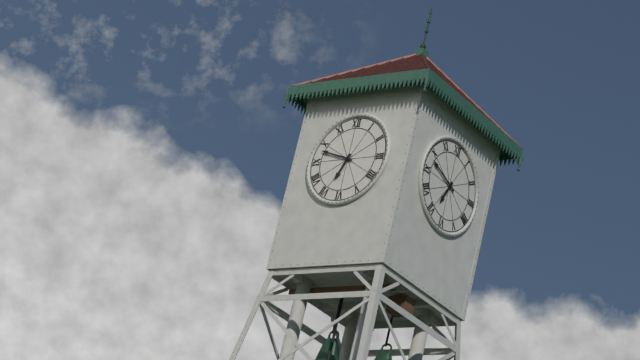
6.48
